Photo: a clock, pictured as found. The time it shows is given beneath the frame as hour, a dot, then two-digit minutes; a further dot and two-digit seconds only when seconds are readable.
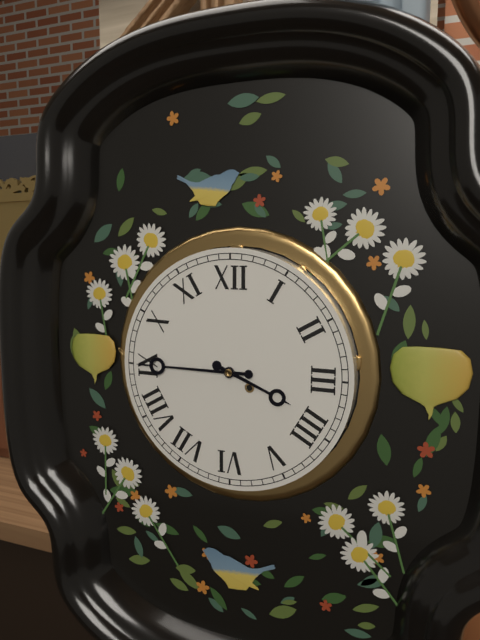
3.45
